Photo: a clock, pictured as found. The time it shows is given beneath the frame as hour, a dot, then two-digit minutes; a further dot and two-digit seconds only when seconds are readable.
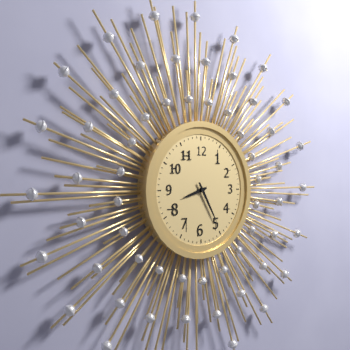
8.25
